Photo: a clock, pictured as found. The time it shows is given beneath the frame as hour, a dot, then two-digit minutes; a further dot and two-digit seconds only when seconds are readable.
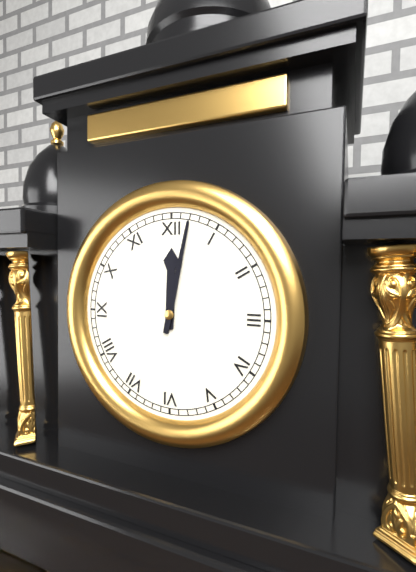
12.02
